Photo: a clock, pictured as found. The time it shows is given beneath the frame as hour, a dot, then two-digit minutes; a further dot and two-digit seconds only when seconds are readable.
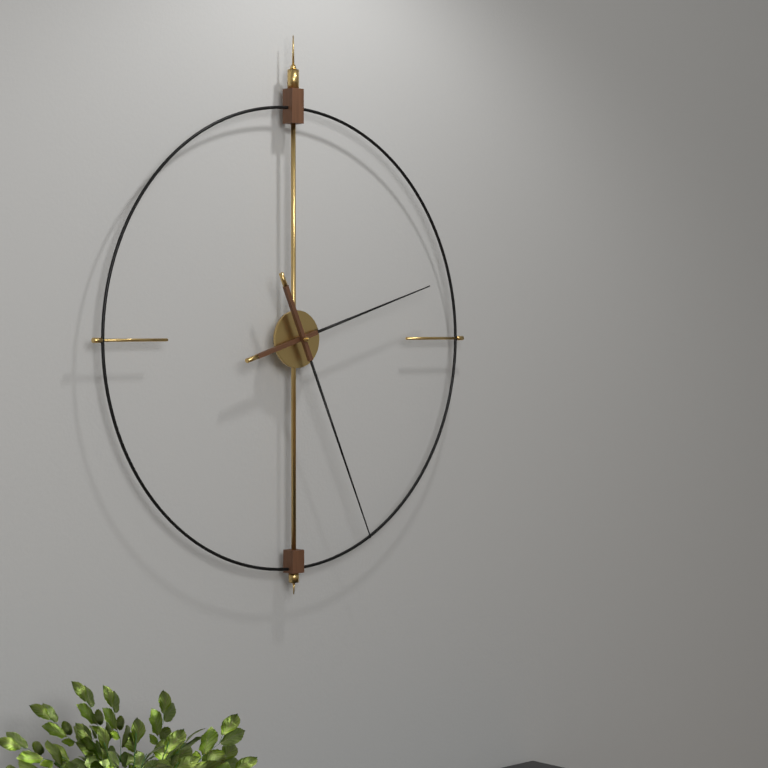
2.26
